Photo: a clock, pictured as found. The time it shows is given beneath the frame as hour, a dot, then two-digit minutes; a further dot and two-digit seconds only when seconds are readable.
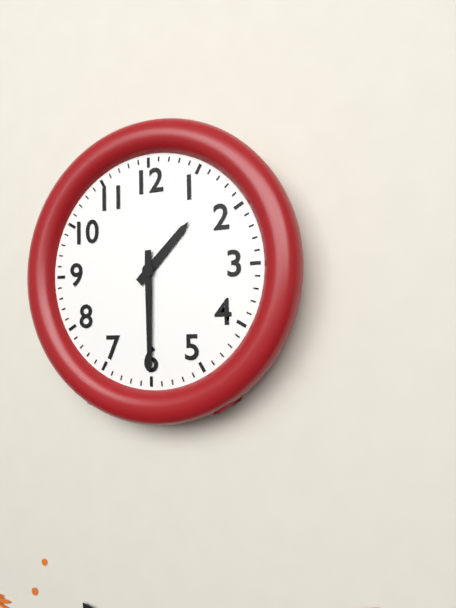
1.30
